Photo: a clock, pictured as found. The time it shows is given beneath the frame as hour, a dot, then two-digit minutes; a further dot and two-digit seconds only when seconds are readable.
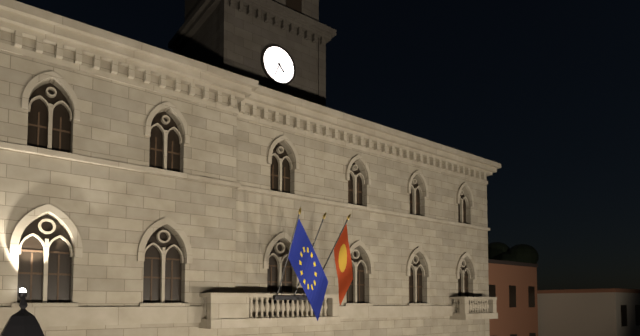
4.34
